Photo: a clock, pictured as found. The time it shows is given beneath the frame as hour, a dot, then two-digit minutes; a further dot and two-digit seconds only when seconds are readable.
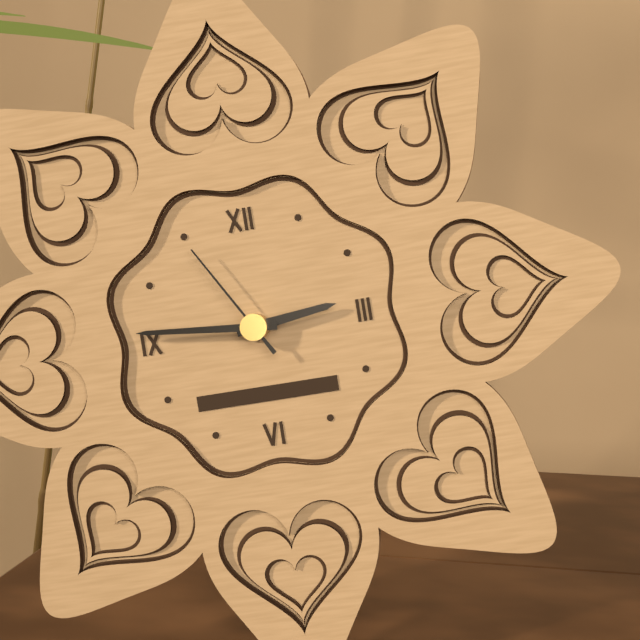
2.46.55
